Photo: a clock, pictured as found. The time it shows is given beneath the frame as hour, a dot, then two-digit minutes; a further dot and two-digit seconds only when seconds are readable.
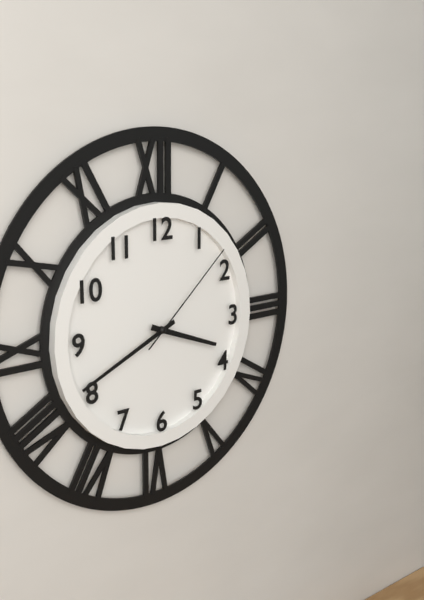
3.41.08
